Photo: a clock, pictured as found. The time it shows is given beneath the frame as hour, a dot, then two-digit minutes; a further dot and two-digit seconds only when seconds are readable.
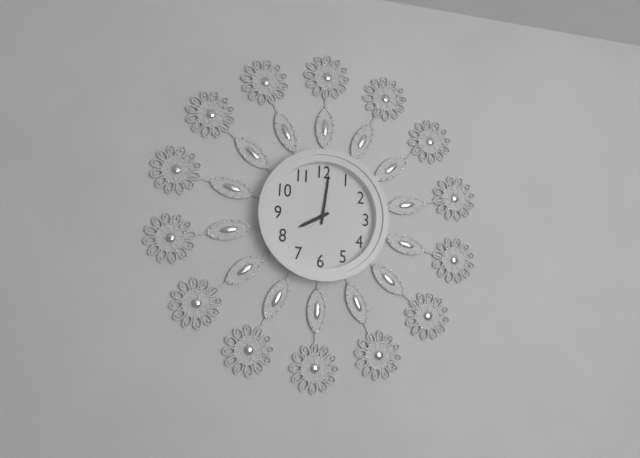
8.01
